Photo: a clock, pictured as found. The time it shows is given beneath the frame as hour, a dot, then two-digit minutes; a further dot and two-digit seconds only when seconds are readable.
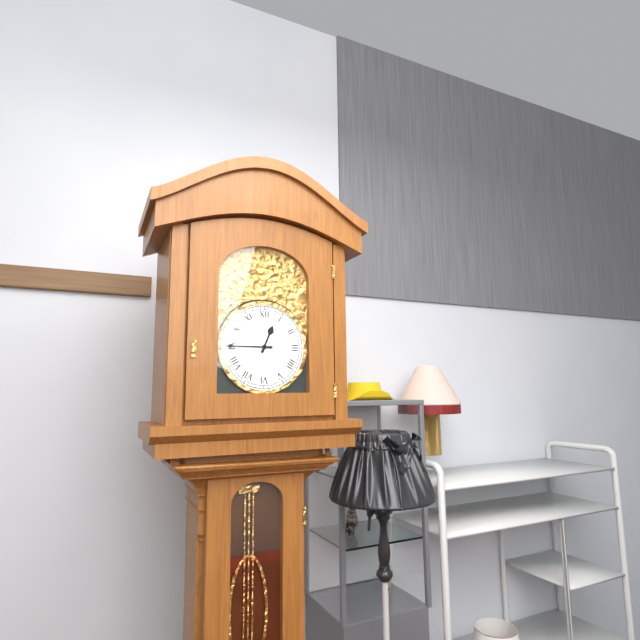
12.45
